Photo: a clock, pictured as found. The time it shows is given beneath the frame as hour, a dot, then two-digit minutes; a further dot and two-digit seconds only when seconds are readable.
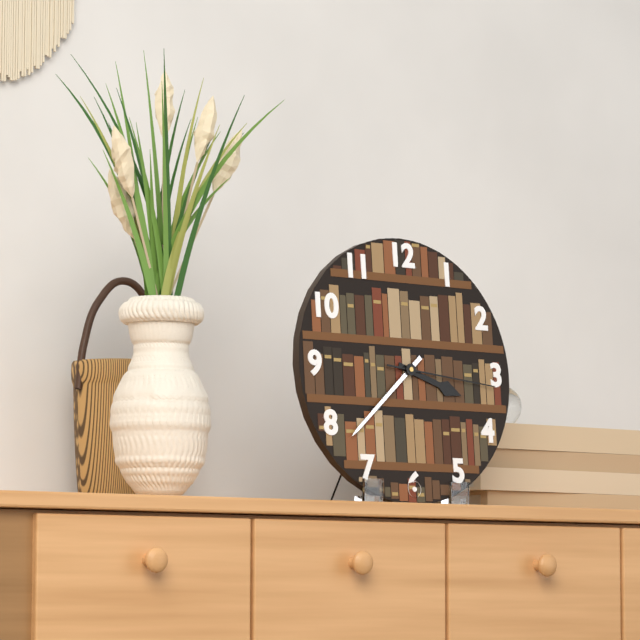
3.38.16
